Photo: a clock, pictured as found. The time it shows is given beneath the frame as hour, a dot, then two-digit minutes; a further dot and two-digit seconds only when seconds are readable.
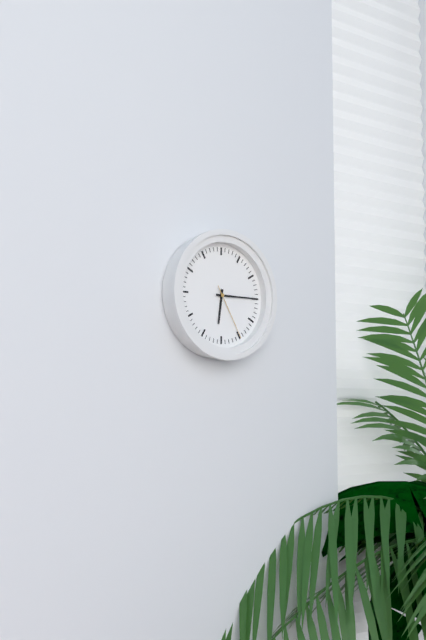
6.15.25
